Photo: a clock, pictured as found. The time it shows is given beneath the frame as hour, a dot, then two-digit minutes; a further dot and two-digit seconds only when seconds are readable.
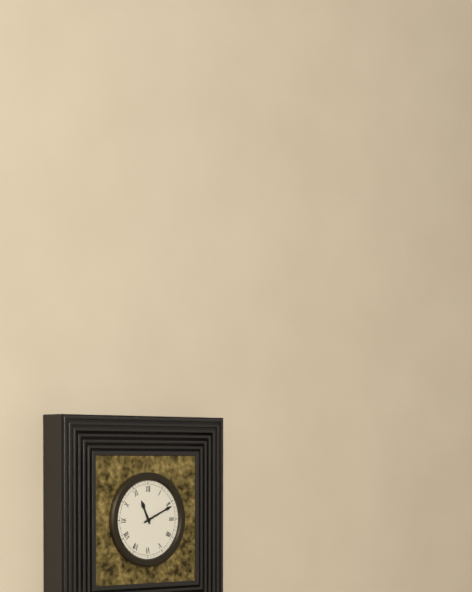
11.11
